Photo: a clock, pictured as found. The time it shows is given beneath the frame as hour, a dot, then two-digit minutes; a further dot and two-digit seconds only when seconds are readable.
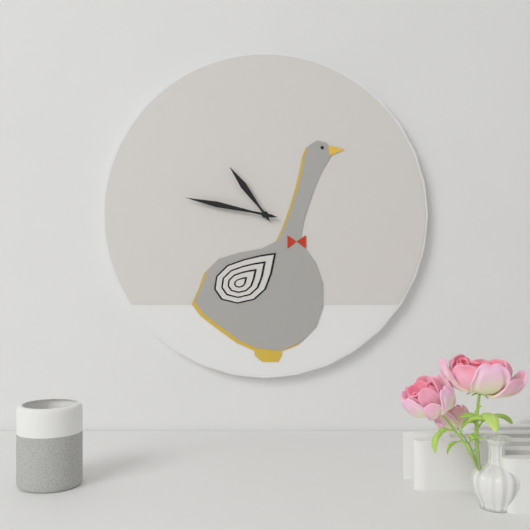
10.47
